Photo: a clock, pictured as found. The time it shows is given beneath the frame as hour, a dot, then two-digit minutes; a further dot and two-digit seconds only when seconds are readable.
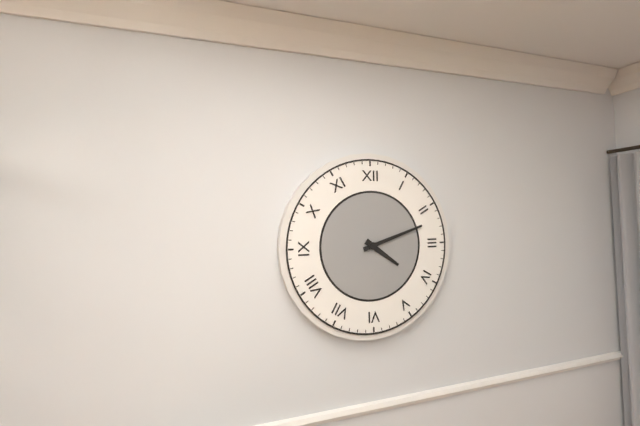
4.12
